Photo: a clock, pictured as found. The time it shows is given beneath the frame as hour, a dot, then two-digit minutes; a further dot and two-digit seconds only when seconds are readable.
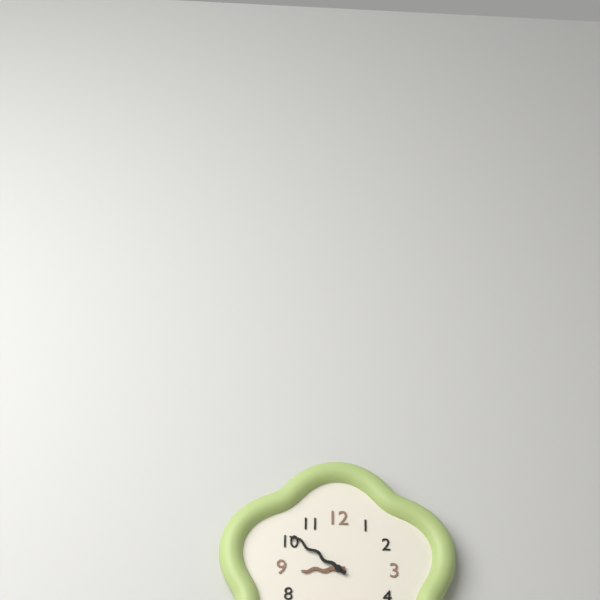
8.51
